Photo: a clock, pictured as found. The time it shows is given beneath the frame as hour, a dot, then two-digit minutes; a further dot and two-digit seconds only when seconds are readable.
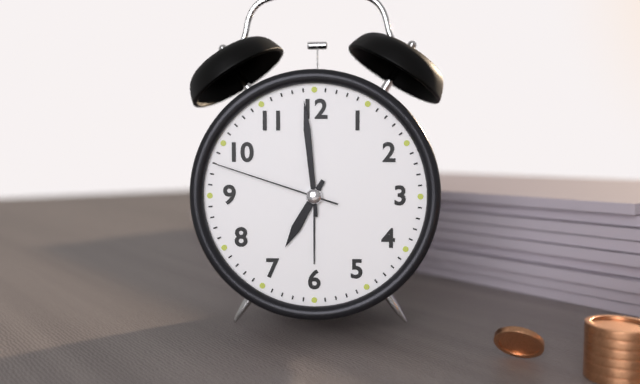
6.59.48
